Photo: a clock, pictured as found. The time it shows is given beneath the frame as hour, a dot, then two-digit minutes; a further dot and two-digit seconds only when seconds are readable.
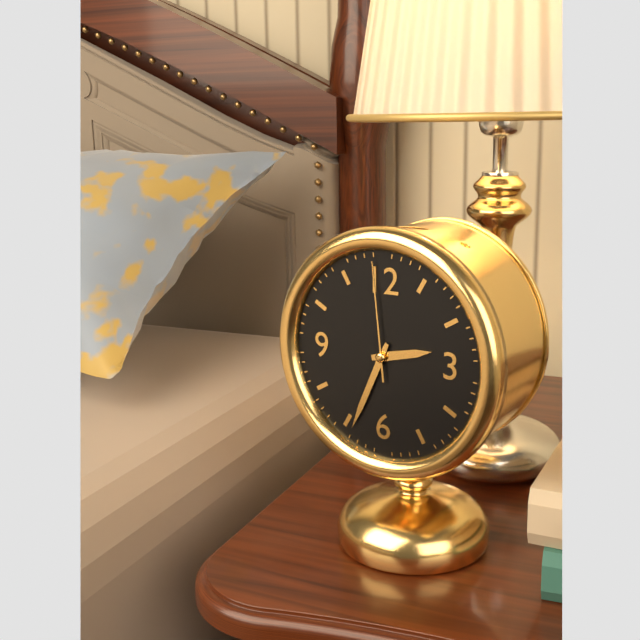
2.34.59
